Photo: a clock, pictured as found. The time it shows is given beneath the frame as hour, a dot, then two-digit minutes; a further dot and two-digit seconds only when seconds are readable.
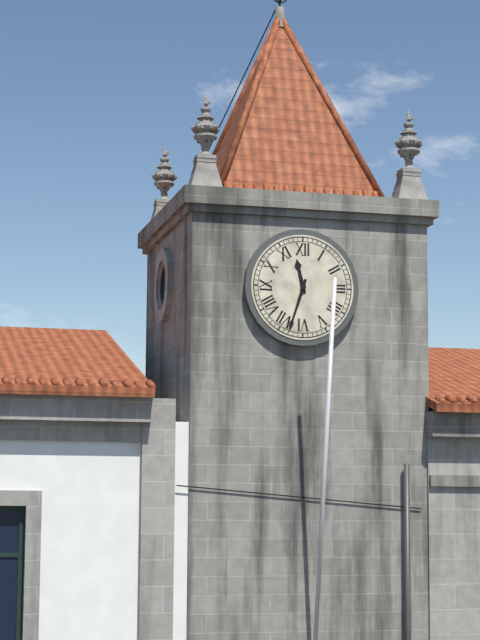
11.33
